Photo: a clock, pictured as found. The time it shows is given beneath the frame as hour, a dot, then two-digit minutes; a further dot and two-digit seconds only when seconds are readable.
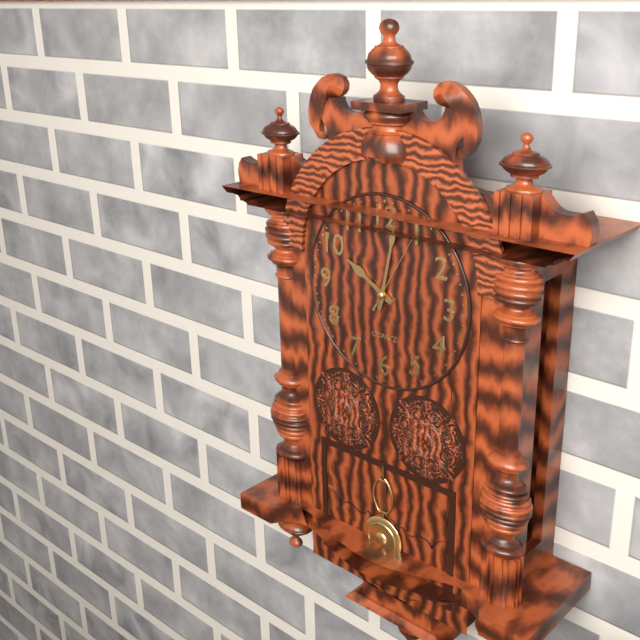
10.02.05
